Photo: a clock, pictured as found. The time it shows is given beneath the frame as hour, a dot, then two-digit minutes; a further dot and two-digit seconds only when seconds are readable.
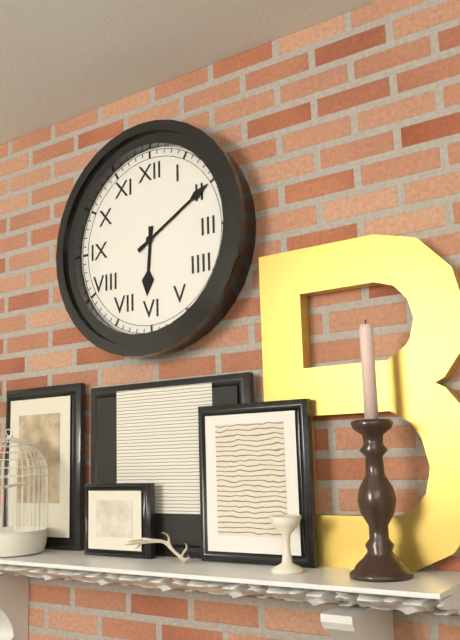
6.10
